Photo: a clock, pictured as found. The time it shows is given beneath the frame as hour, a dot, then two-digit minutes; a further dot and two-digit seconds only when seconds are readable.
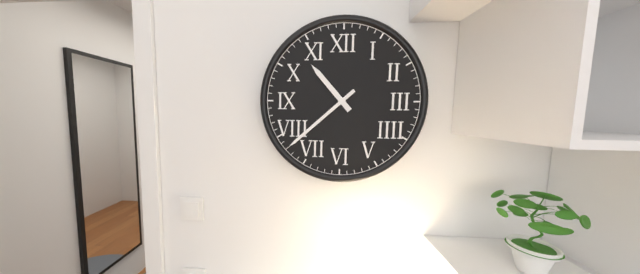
10.38
